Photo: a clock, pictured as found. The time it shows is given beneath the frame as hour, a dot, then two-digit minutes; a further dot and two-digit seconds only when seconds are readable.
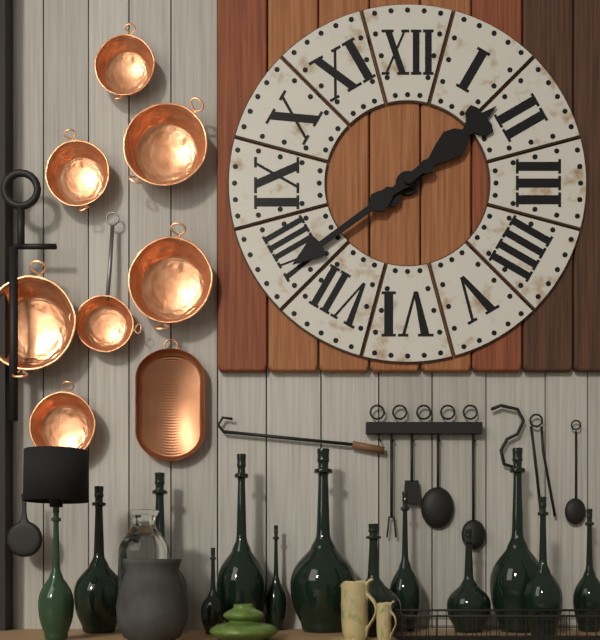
1.39
